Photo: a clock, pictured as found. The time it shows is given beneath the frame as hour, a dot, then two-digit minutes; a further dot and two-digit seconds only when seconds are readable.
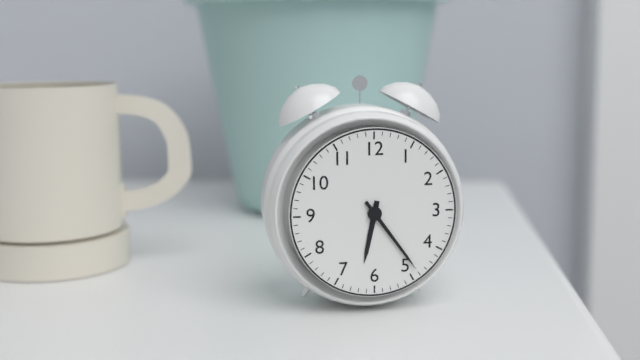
6.24
